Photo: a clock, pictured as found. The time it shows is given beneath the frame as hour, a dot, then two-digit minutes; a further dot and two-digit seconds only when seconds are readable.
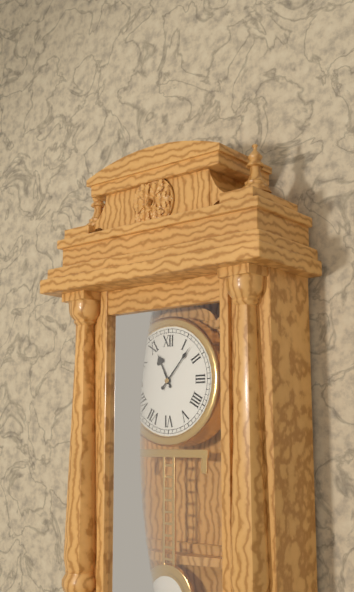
11.07
